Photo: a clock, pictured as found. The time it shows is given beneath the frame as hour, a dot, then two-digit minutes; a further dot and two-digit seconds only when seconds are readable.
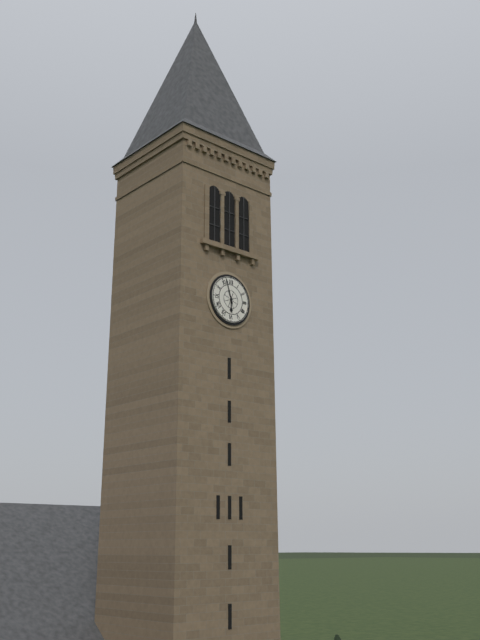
5.57
